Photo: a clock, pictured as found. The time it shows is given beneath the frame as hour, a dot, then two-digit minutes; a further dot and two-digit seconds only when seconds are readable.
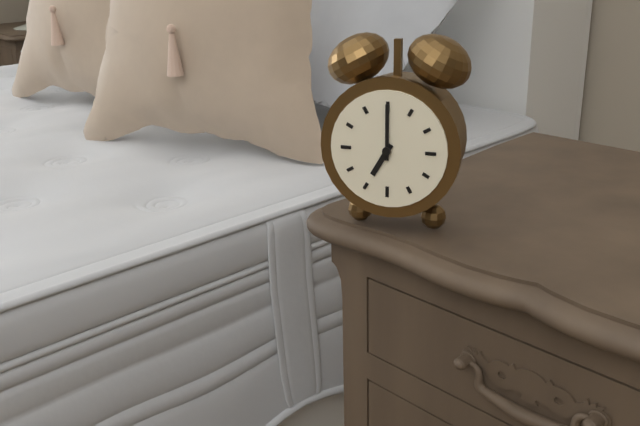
7.00
